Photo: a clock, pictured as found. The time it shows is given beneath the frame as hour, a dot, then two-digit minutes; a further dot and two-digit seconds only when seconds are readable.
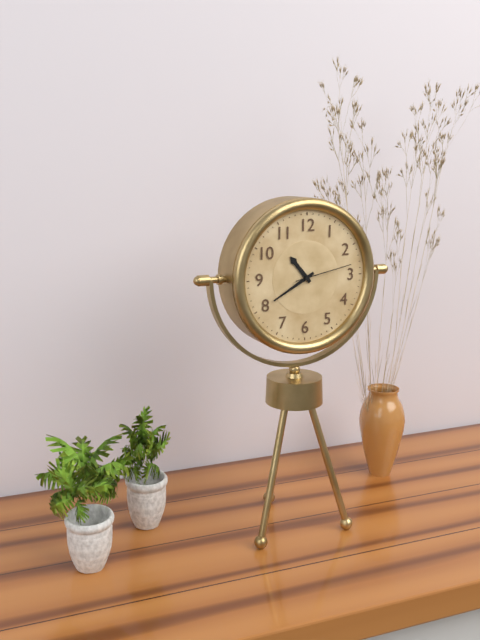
10.40.13
